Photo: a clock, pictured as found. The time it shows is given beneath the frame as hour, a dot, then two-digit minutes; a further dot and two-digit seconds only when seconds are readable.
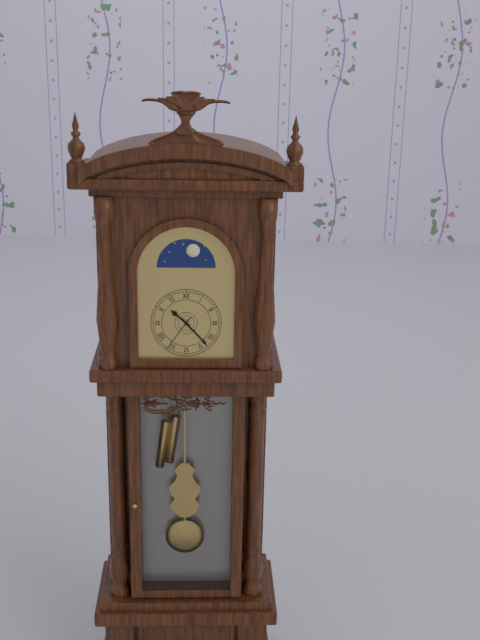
10.23
